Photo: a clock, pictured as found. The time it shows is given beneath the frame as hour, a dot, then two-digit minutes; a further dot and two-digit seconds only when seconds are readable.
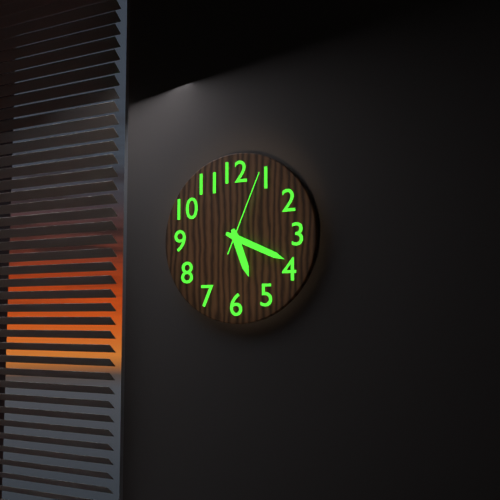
5.19.04
